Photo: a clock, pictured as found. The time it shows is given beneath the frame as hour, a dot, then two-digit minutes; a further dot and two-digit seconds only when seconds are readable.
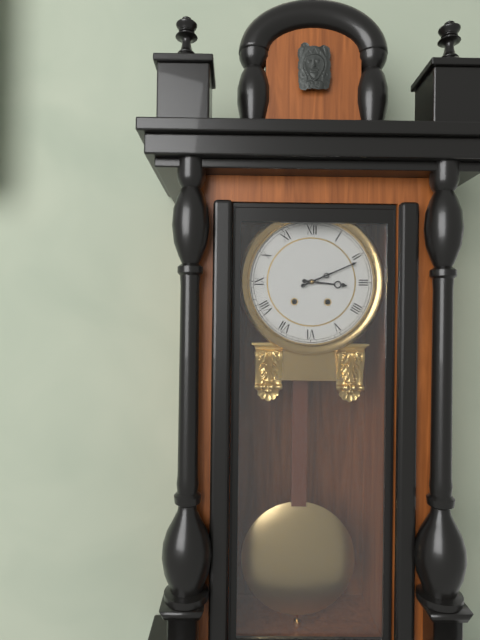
3.11
